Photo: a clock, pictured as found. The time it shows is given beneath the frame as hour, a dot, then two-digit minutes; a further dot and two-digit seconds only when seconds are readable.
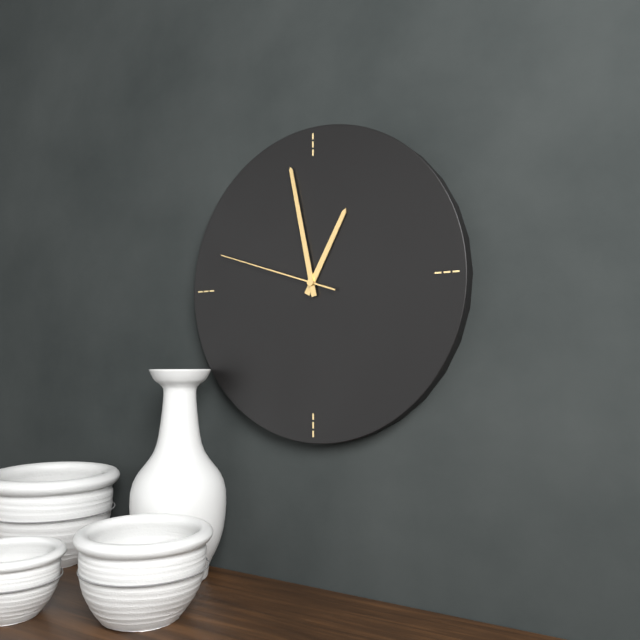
12.58.48
